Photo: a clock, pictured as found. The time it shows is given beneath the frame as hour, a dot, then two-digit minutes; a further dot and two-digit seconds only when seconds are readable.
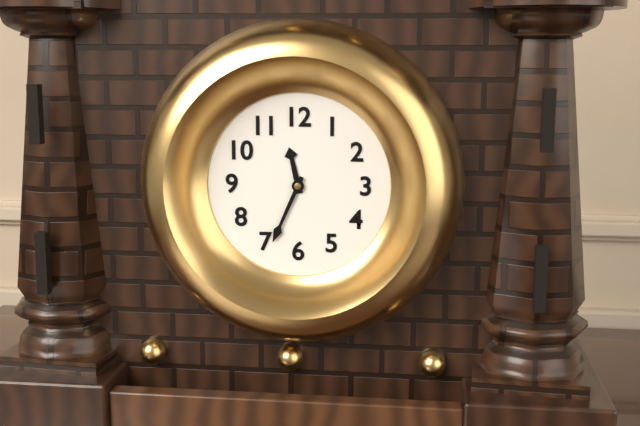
11.34
